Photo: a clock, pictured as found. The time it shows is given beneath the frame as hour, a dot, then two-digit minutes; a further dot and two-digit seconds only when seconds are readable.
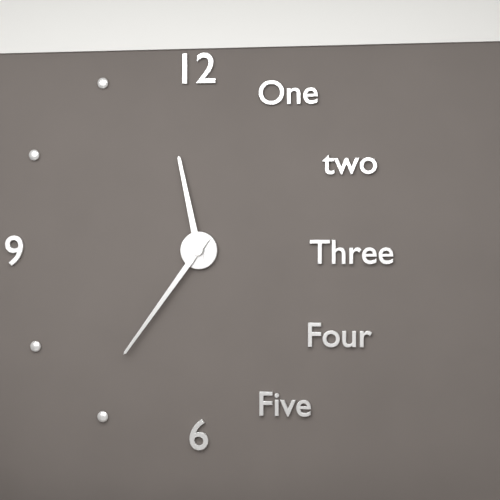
11.36
